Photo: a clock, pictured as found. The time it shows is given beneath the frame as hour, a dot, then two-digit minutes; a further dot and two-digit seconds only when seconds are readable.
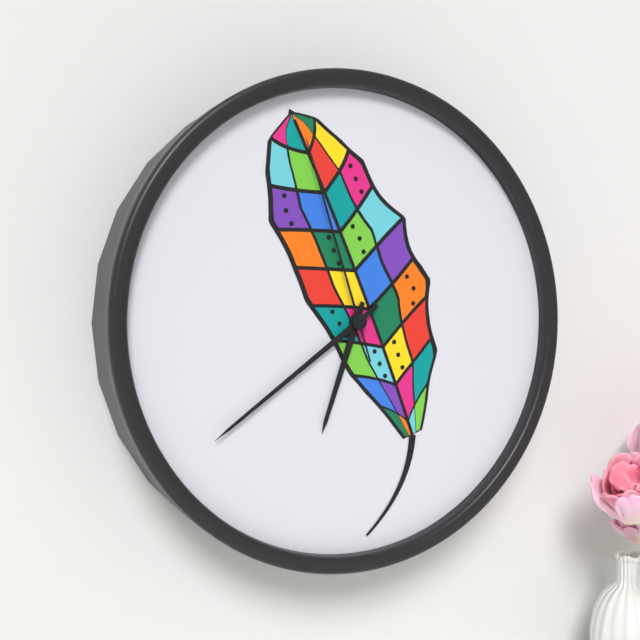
6.39.57
